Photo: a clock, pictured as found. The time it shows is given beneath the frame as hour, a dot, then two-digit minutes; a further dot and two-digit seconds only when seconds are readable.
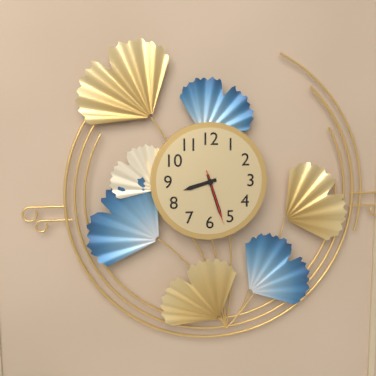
8.27.27
